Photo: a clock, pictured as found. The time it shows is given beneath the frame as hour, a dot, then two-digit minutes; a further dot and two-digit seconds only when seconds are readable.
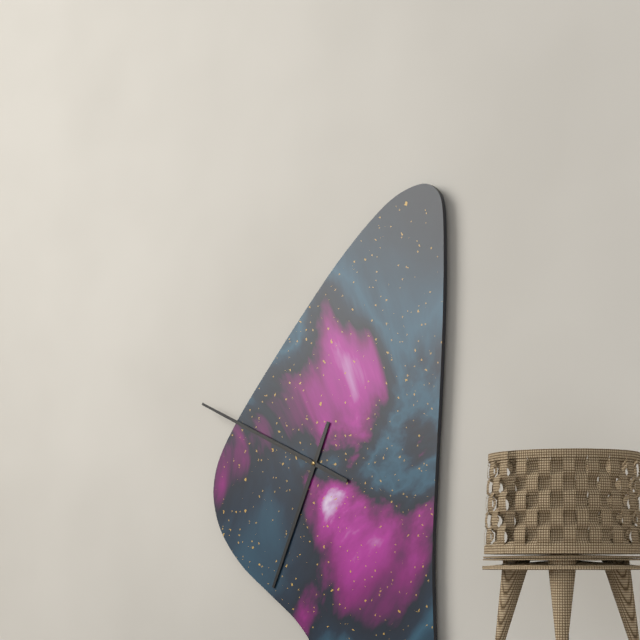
6.49
